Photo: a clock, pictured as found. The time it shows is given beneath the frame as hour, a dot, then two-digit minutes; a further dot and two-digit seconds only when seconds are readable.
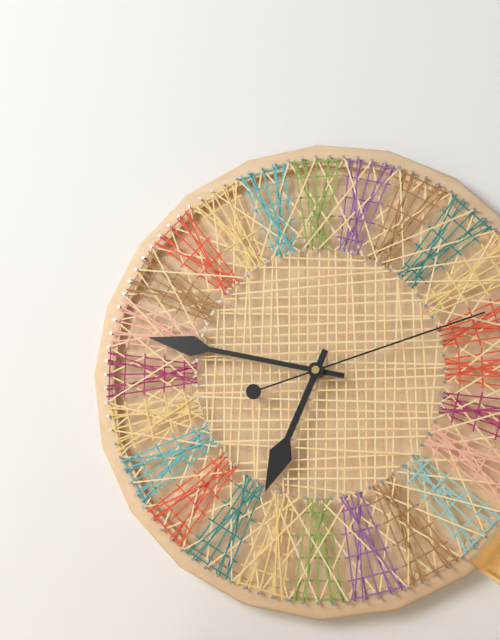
6.47.12
